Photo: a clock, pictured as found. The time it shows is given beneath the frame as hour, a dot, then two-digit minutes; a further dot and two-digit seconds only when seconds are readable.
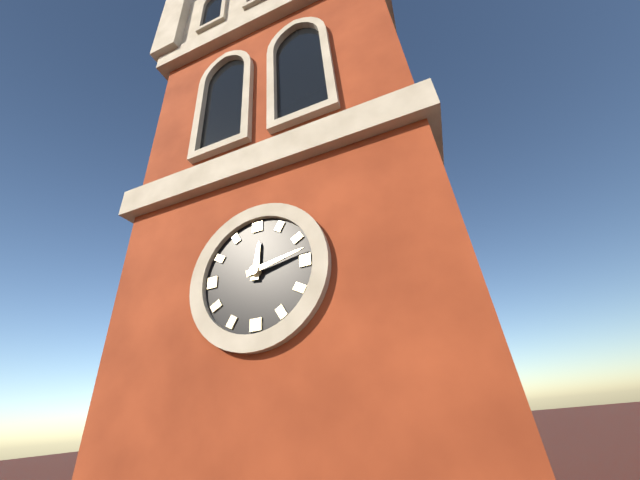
12.13
